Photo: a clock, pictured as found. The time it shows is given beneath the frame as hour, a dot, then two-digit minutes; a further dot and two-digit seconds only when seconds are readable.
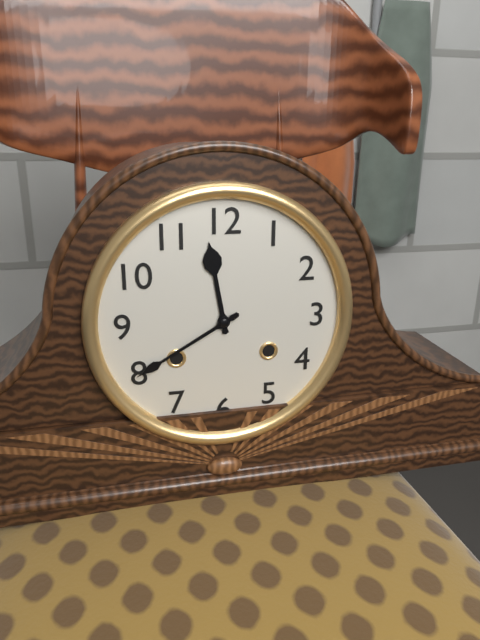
11.40
